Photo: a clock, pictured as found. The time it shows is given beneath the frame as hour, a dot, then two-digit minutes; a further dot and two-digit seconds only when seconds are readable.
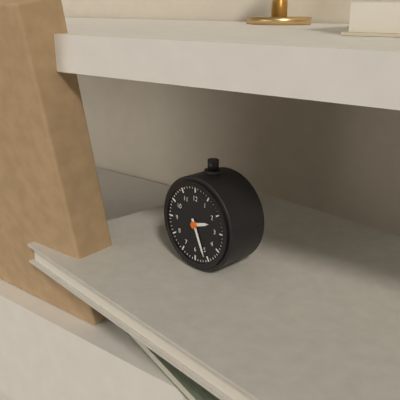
2.26
